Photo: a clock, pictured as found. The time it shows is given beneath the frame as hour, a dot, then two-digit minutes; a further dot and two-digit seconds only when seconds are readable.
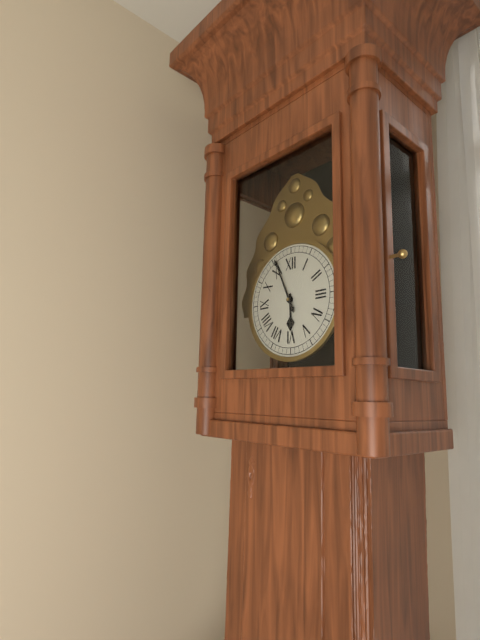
5.56
